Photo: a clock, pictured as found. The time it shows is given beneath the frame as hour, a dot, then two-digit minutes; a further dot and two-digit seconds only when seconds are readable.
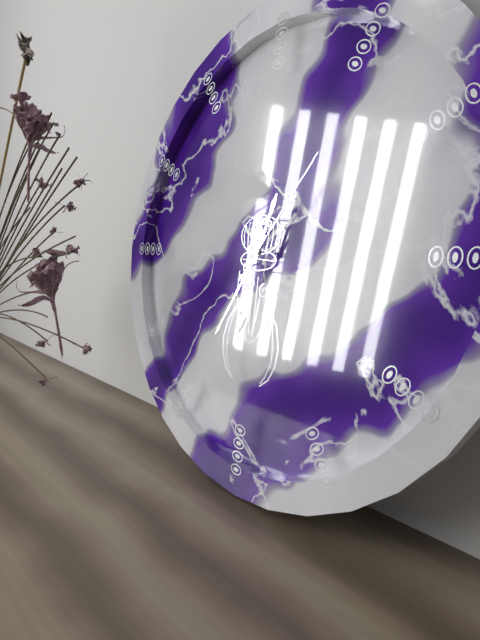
12.35.06
